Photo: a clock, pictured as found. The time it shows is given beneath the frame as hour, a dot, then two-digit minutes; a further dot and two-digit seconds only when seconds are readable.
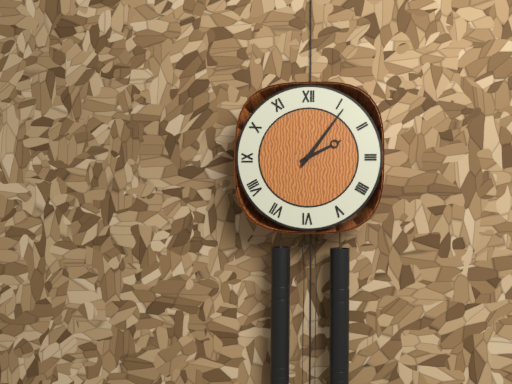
2.06
